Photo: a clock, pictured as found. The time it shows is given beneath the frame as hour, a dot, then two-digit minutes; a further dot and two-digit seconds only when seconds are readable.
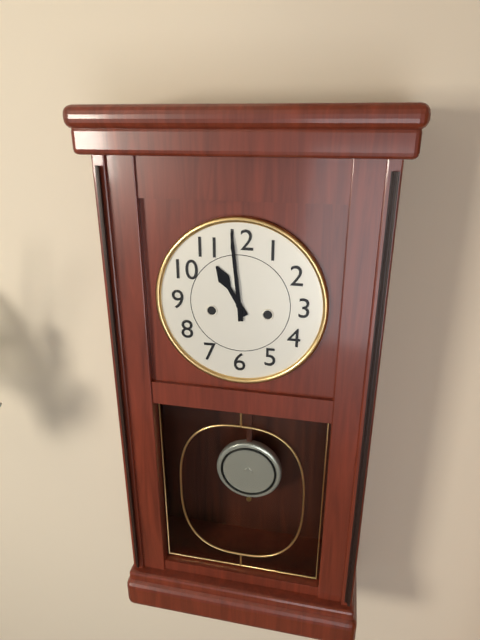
10.59
